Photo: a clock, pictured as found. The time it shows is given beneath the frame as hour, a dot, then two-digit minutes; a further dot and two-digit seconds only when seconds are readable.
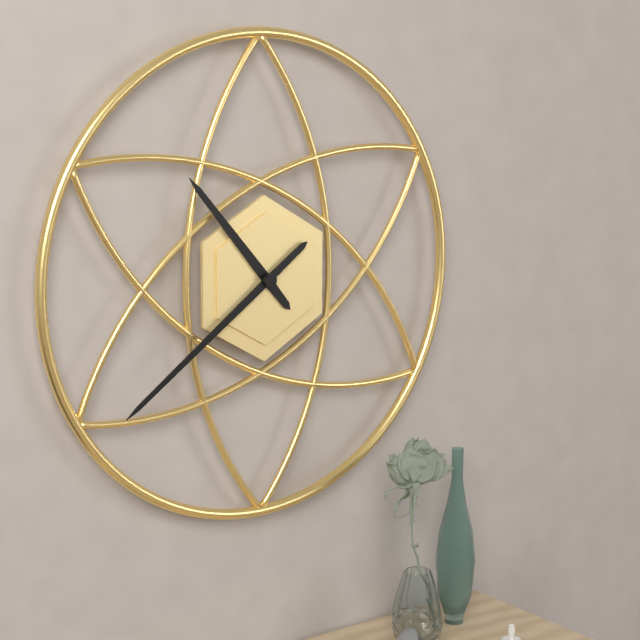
10.39
